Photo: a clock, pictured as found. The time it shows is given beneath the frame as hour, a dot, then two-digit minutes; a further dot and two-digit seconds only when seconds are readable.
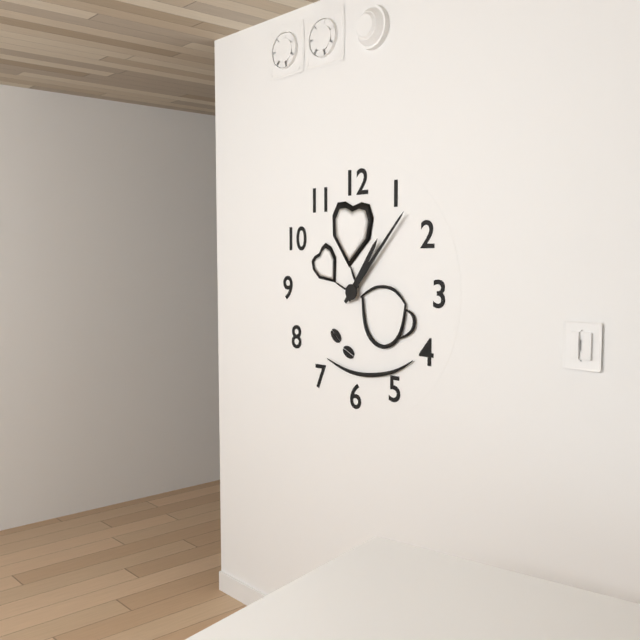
1.07
